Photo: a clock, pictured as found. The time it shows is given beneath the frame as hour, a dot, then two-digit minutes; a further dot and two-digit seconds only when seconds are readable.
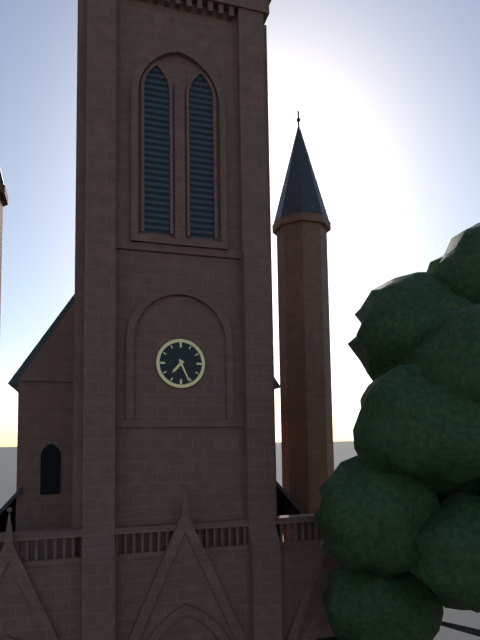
7.26
